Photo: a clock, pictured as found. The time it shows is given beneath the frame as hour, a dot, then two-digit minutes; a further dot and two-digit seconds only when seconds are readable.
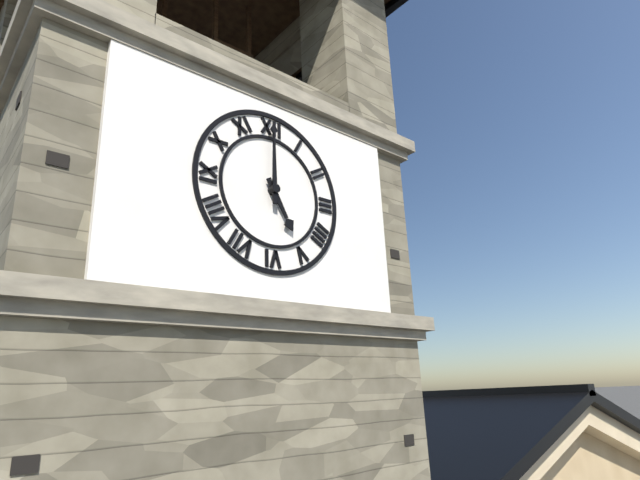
5.00
